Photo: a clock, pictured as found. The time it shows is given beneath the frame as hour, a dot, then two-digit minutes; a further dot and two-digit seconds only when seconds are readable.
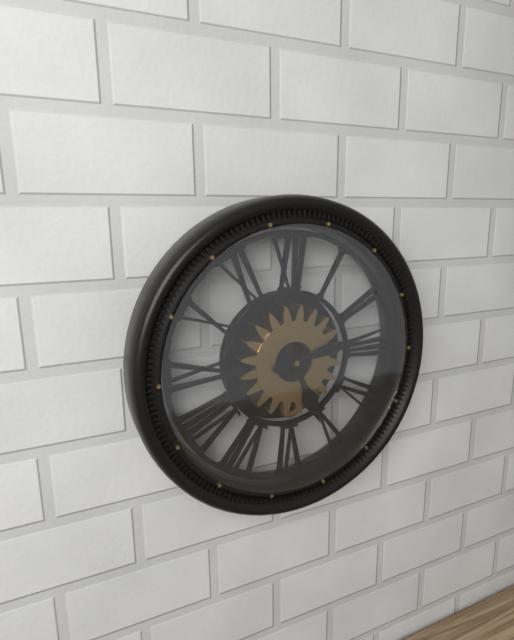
5.13
